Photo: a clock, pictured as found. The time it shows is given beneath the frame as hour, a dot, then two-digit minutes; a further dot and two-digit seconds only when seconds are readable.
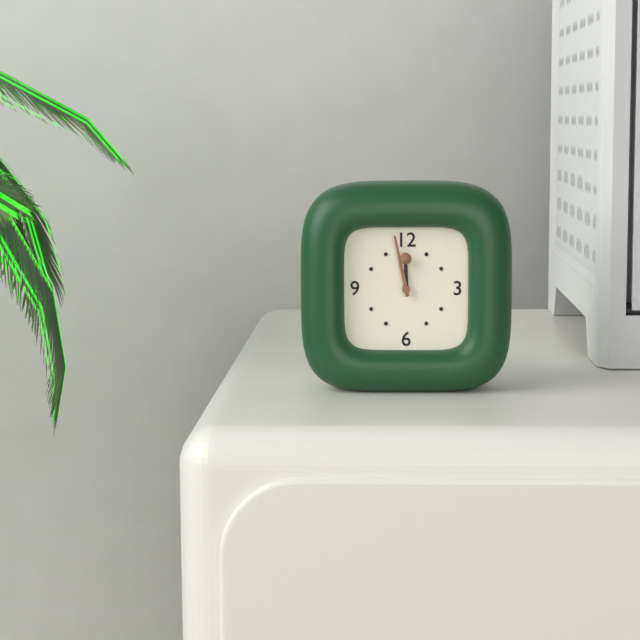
11.58
